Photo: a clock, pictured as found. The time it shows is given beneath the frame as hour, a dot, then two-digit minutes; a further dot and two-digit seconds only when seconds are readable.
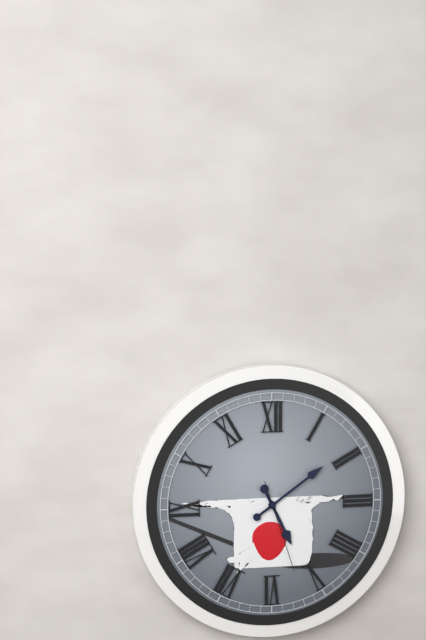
5.09.27
